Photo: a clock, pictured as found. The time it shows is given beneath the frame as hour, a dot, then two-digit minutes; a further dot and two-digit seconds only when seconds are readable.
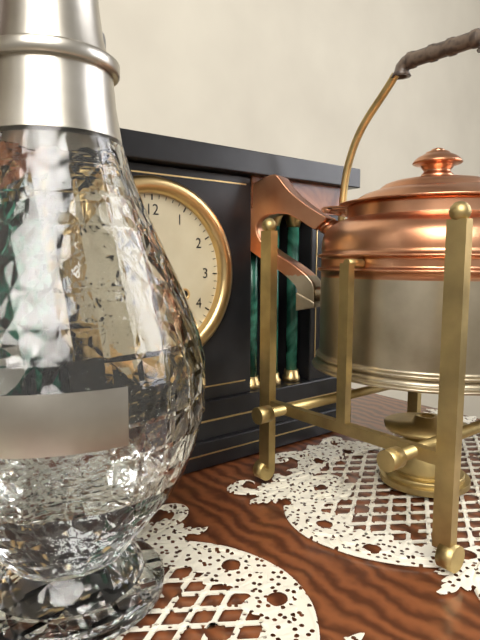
7.51
